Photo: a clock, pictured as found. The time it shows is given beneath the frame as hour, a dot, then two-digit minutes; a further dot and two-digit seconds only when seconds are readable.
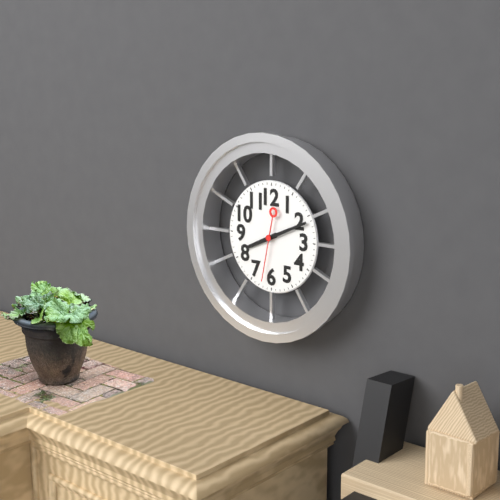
8.11.32
